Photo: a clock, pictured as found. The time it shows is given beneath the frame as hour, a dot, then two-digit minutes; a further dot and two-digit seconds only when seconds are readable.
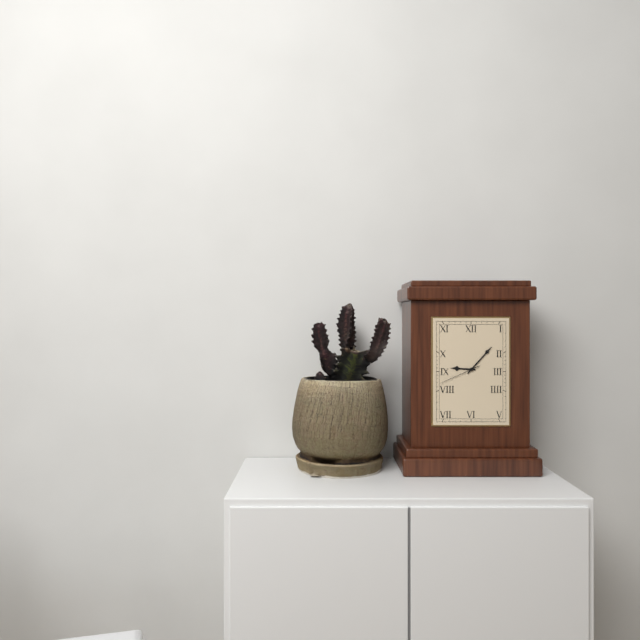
9.07
